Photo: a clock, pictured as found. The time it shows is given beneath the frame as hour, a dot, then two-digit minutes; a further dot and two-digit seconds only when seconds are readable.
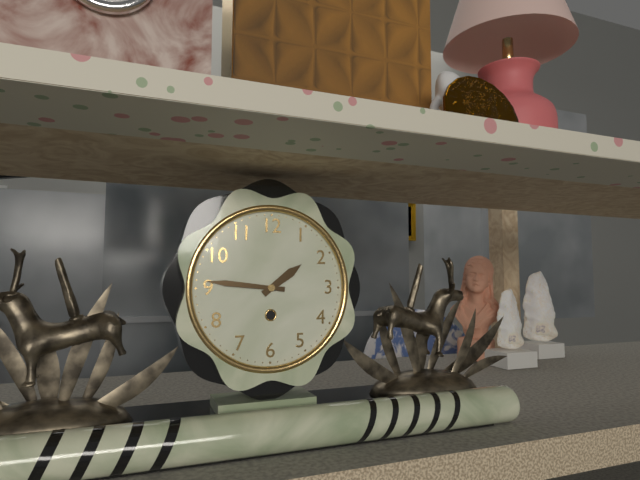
1.46
